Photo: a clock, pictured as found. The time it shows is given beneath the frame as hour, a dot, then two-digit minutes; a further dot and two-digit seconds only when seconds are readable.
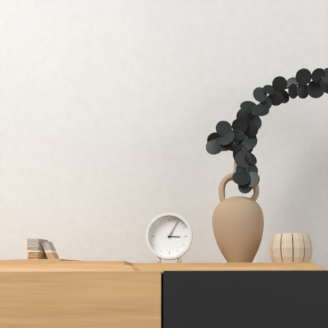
3.05
